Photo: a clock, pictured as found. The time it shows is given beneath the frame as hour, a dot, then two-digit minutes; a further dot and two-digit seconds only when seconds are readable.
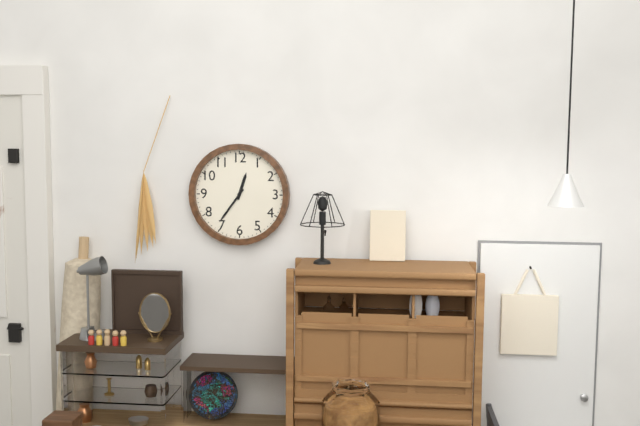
12.36
